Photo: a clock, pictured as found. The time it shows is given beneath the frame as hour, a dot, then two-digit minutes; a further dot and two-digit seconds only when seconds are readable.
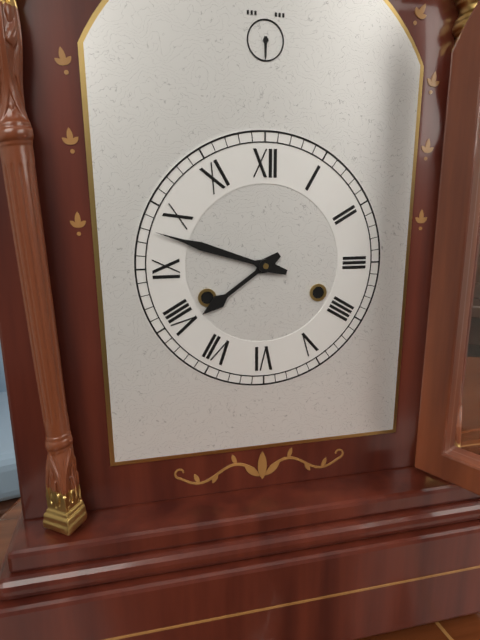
7.48
